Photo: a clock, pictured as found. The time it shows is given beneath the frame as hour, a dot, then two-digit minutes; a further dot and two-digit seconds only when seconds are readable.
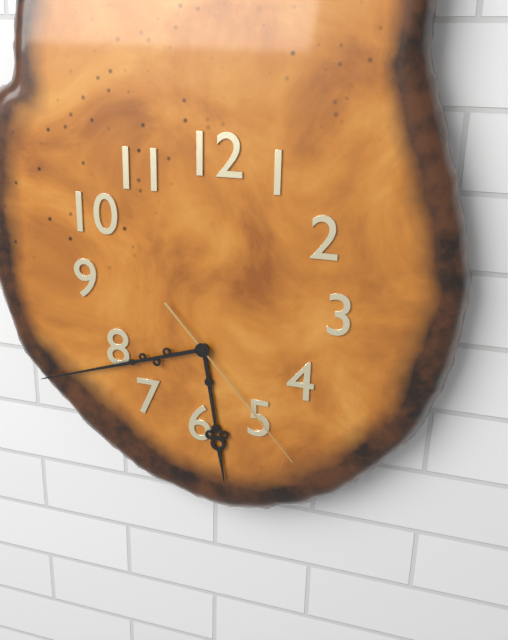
5.42.23
